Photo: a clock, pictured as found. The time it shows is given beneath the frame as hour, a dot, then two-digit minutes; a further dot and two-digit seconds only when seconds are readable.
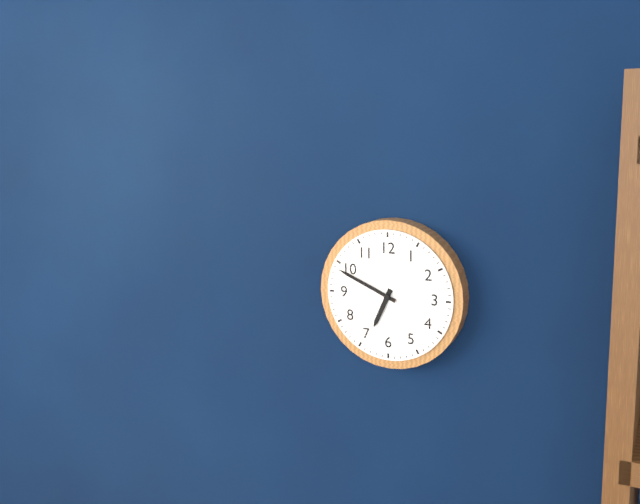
6.49
